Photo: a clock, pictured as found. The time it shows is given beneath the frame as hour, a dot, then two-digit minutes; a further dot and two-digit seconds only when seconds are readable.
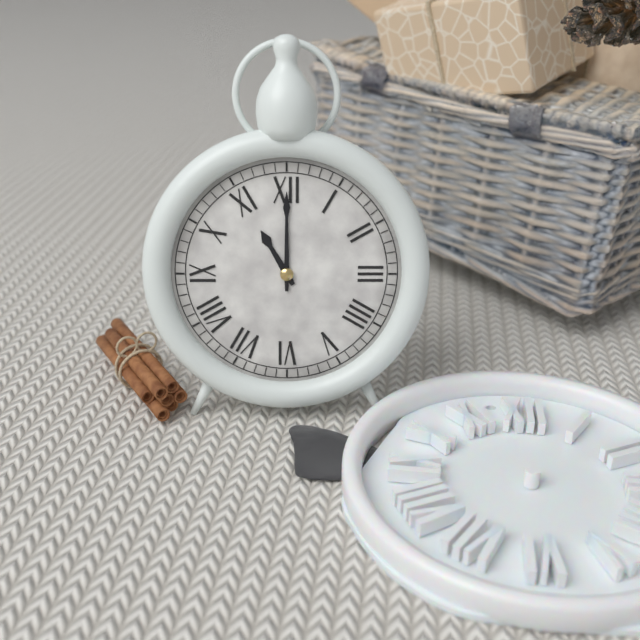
11.00
